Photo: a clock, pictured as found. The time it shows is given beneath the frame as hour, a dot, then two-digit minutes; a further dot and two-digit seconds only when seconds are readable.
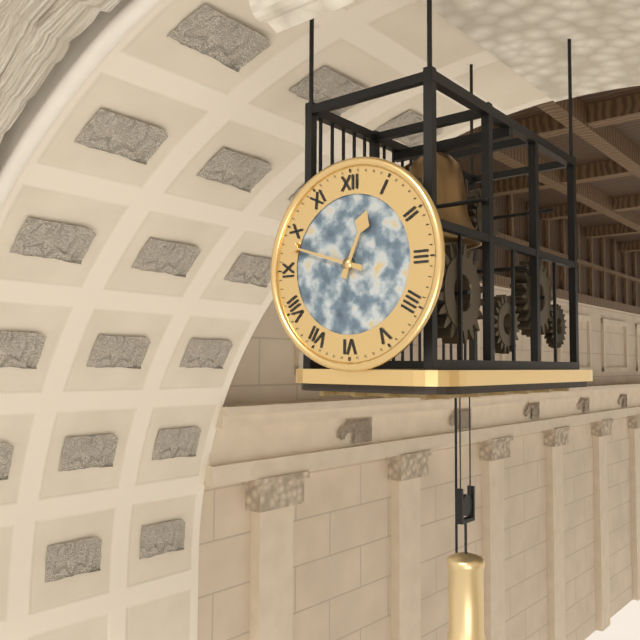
12.48
